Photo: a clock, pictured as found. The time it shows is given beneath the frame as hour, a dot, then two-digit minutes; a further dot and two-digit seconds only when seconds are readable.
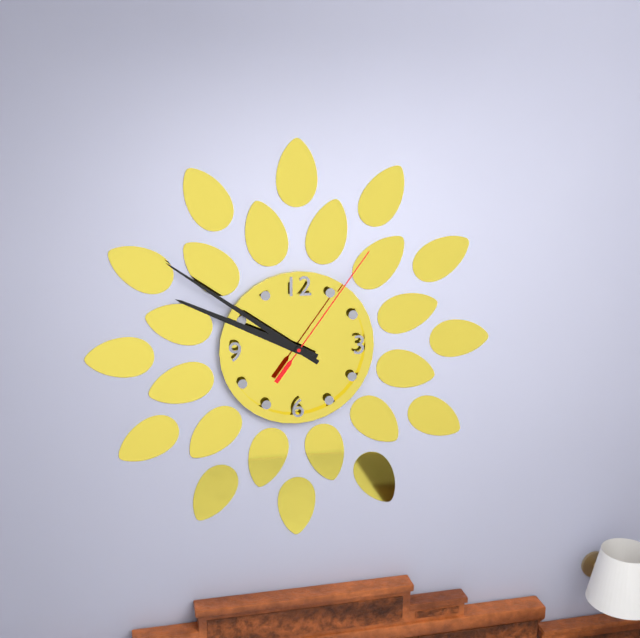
9.51.06
